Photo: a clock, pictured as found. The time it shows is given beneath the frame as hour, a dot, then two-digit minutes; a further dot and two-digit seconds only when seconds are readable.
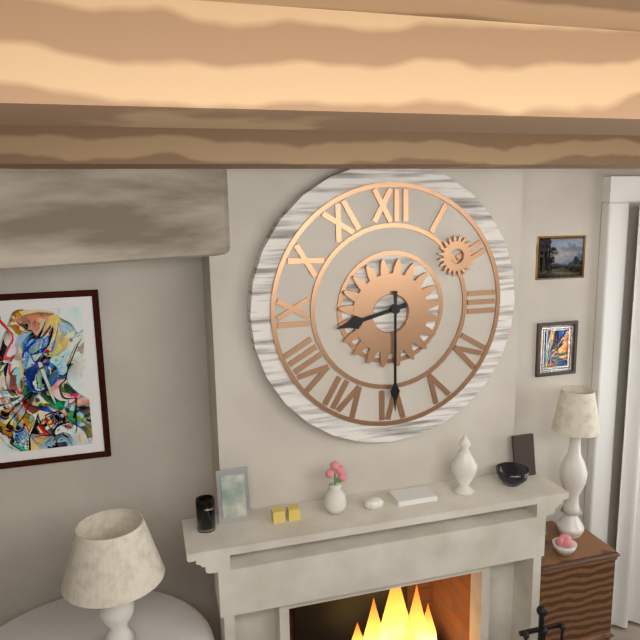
8.30
